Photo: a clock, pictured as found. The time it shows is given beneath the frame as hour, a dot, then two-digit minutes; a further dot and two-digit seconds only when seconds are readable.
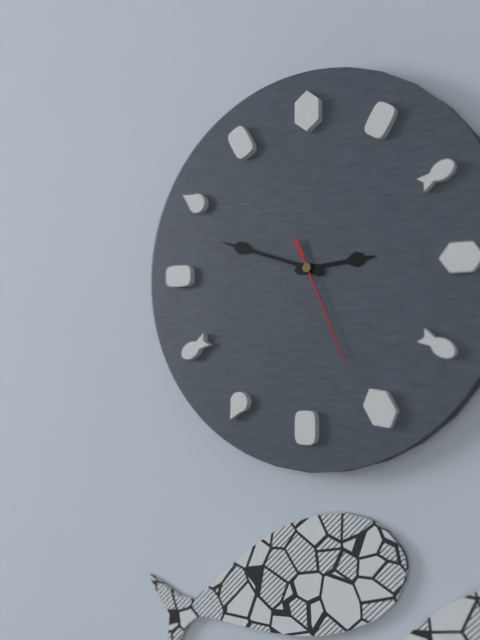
2.48.26
